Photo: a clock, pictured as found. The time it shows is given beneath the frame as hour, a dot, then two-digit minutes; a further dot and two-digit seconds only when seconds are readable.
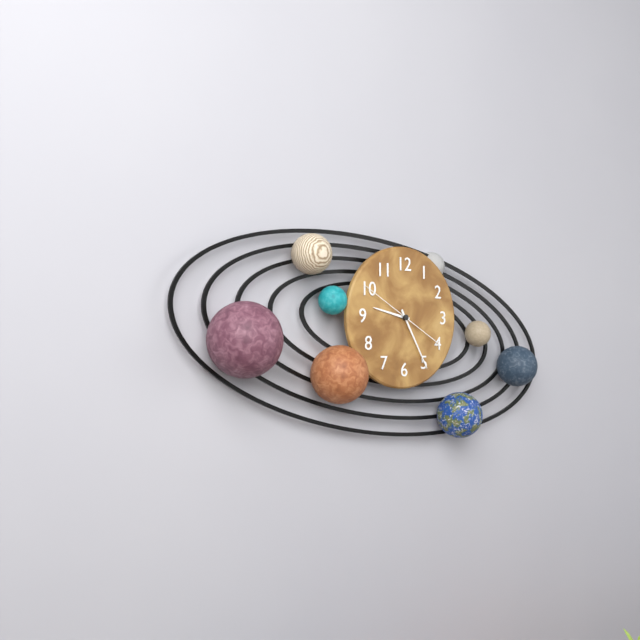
9.25.50
